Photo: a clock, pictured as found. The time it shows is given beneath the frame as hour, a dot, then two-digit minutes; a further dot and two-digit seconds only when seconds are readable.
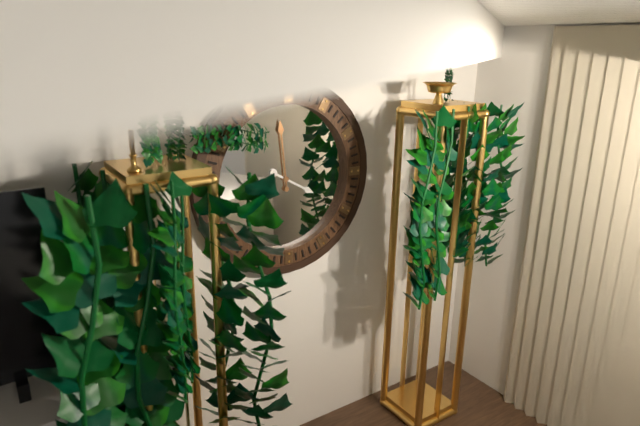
3.59
